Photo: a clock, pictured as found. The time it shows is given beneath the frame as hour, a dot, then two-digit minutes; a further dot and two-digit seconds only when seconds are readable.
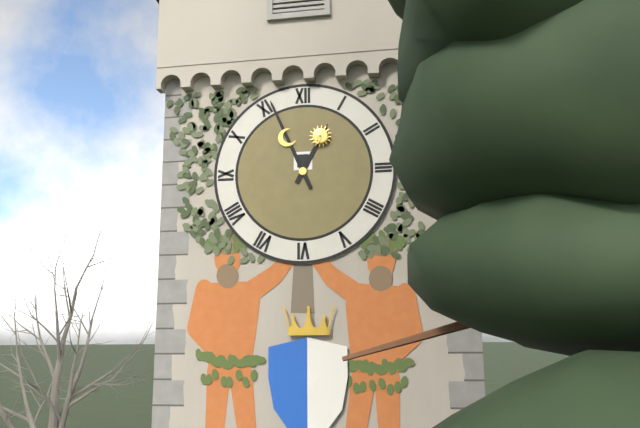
12.56
